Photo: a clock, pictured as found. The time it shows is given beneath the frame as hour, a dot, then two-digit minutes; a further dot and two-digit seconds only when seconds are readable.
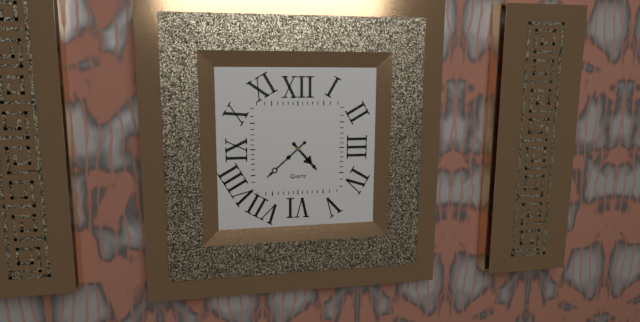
4.38
